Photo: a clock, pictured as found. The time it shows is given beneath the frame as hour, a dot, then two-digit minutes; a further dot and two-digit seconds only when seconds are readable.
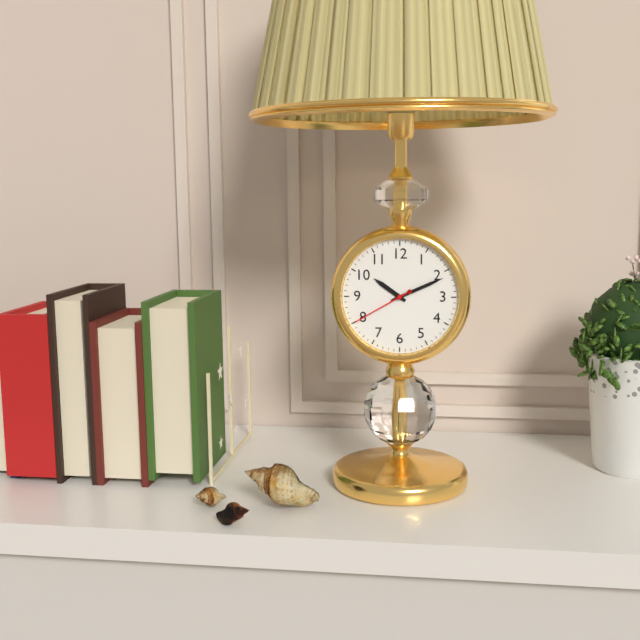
10.11.40
